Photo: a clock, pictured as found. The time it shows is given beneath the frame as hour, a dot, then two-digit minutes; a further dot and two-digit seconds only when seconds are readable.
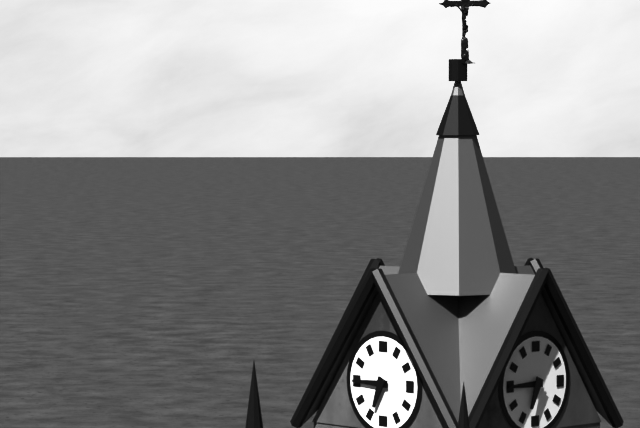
6.45
